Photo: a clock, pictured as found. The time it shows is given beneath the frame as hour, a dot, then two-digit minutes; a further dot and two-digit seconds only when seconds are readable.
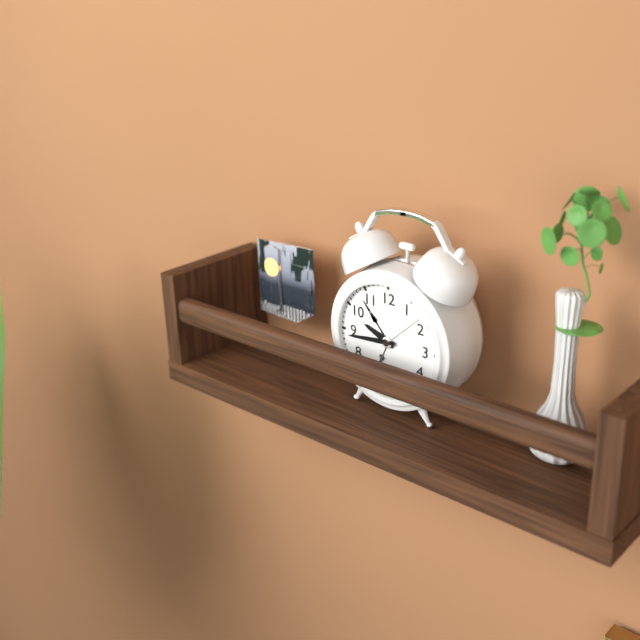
9.44
